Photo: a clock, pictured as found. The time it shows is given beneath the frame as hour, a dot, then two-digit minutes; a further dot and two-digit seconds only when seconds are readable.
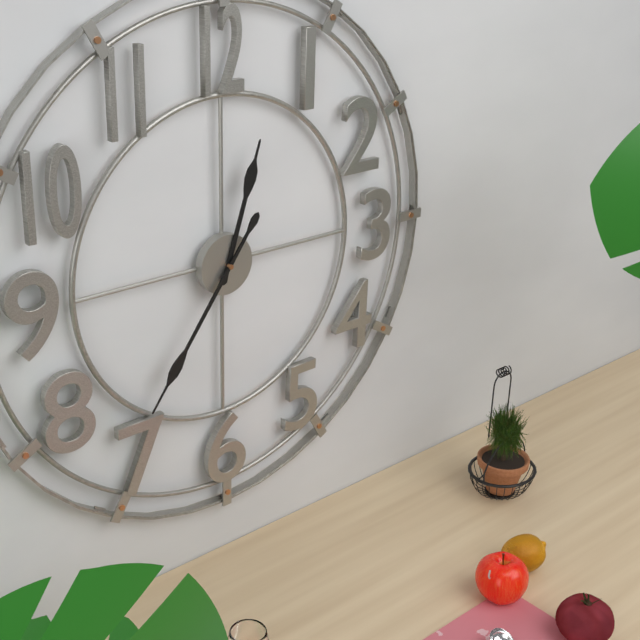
12.36
